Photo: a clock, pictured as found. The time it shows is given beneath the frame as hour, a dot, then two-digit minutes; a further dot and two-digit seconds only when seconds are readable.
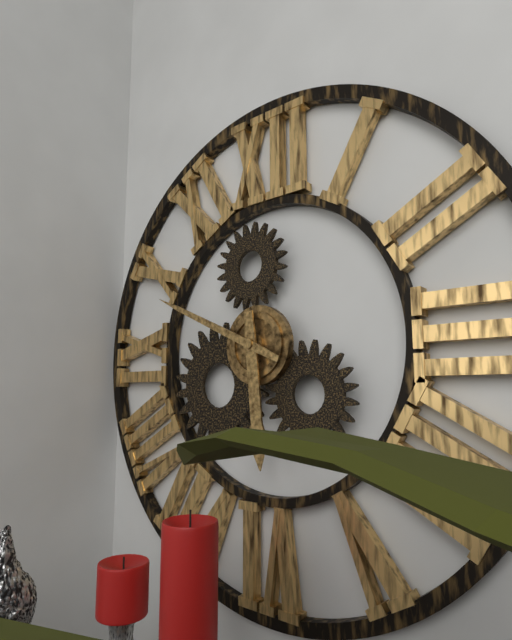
5.49
